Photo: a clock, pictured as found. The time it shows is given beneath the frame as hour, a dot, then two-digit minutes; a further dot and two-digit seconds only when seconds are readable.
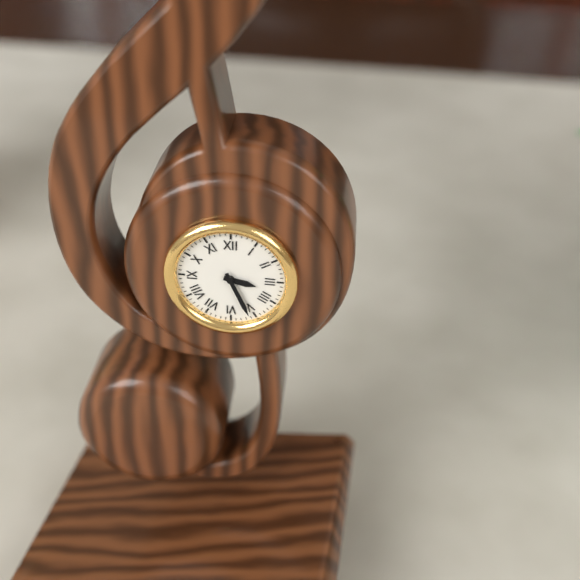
3.26
